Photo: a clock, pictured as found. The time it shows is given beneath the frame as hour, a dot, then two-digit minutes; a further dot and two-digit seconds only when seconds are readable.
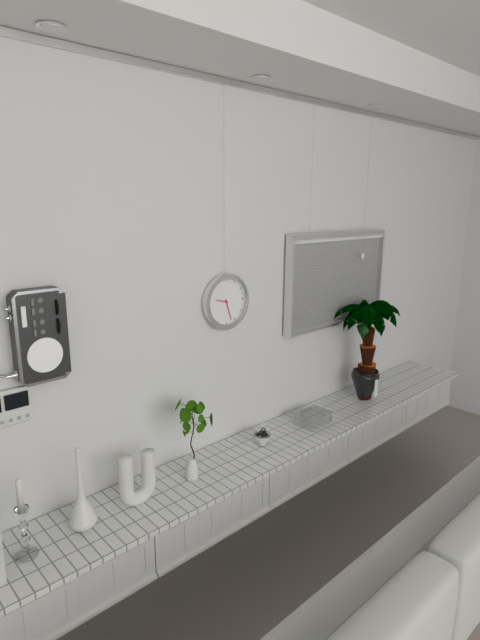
9.27
